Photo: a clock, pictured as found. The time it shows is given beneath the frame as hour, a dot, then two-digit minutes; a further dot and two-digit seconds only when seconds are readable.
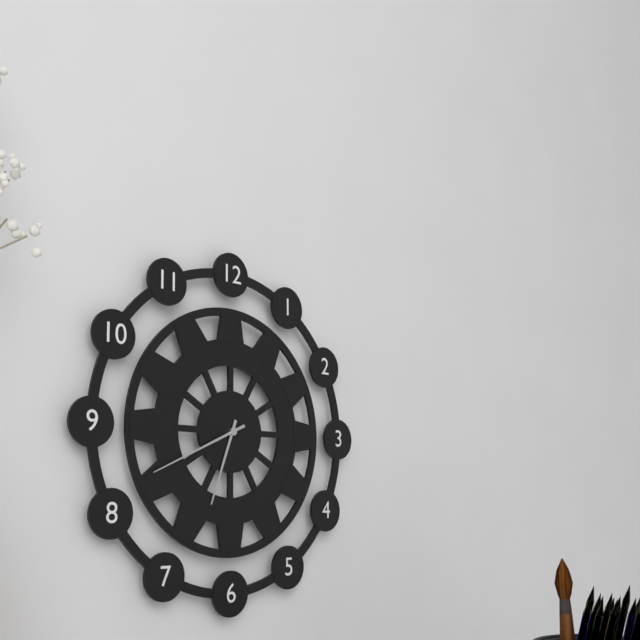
6.41
